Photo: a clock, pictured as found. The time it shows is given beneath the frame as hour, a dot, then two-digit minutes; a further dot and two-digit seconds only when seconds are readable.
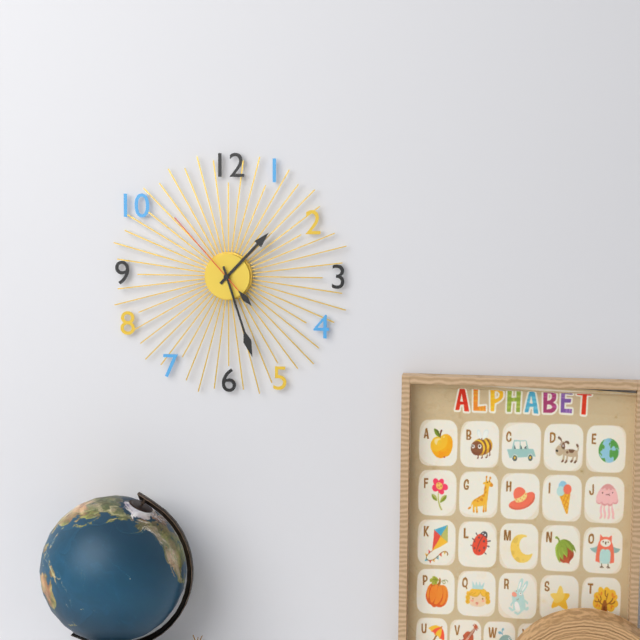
1.27.53
